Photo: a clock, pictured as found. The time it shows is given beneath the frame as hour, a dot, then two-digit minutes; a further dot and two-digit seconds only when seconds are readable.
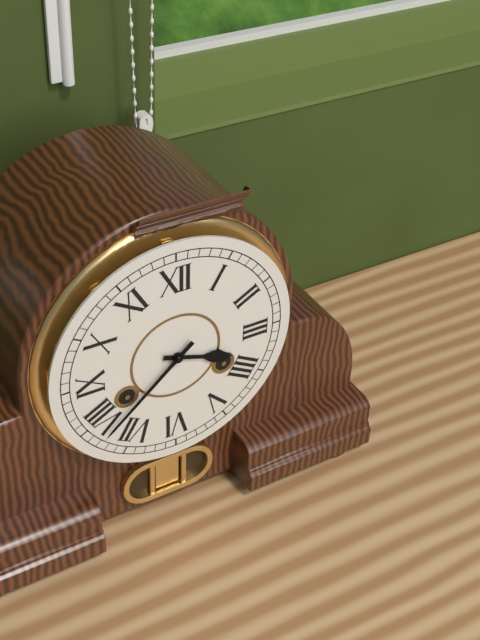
3.38
